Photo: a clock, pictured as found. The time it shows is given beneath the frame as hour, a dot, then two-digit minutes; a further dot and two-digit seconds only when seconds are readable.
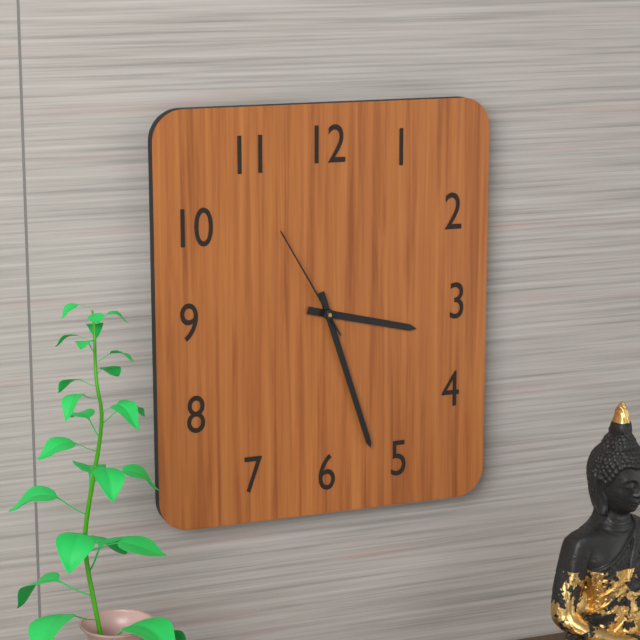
3.27.55
